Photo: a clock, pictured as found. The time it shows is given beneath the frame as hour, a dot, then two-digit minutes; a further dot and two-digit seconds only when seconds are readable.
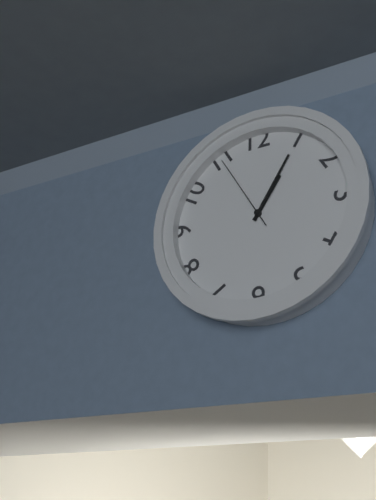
1.05.55
